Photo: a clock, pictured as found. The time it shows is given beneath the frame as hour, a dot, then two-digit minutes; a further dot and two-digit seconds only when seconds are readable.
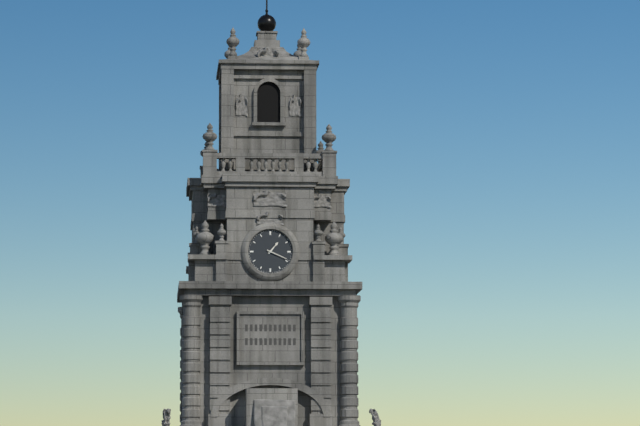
1.19
